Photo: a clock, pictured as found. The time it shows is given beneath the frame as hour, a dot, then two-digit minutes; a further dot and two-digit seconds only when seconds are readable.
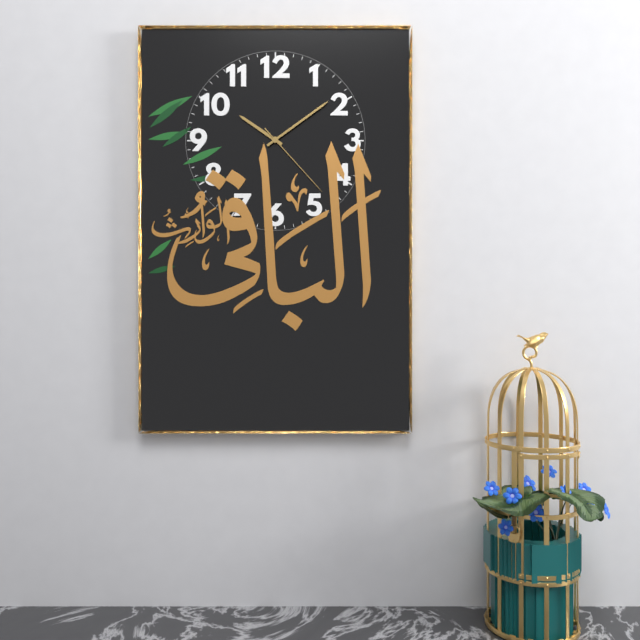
10.09.23
